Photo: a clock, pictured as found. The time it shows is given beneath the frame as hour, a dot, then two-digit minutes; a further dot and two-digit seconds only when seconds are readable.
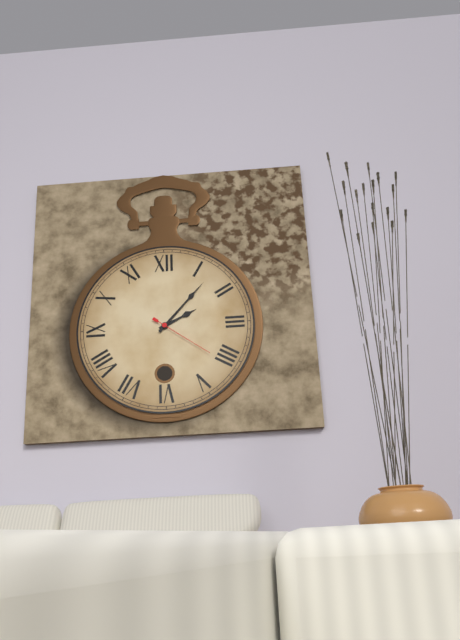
2.07.21
